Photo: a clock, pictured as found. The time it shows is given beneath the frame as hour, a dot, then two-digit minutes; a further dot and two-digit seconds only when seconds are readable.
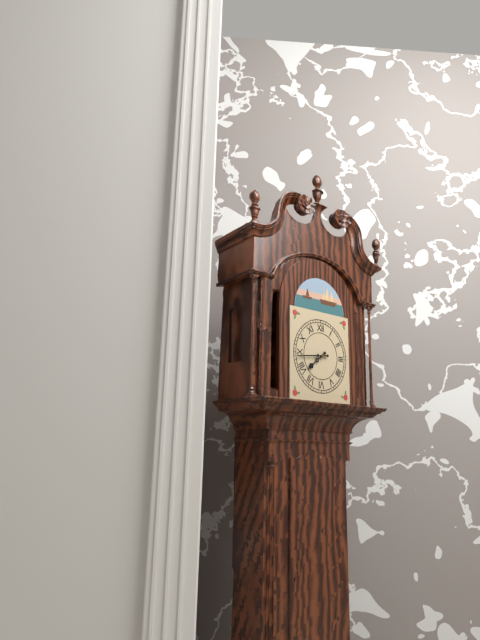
7.44
